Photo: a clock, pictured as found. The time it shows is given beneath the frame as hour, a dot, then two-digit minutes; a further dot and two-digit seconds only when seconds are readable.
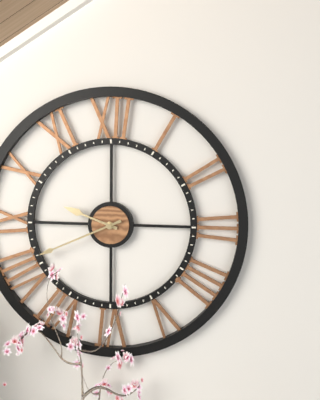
9.41
